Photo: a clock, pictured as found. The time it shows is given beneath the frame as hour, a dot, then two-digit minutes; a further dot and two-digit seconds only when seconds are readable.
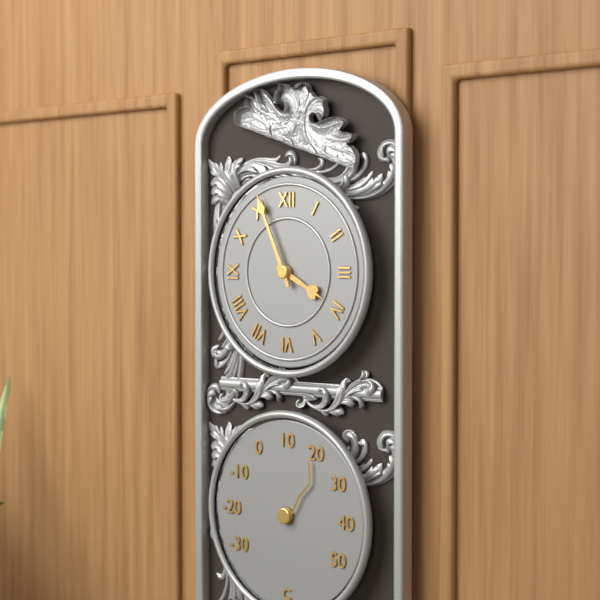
3.56
